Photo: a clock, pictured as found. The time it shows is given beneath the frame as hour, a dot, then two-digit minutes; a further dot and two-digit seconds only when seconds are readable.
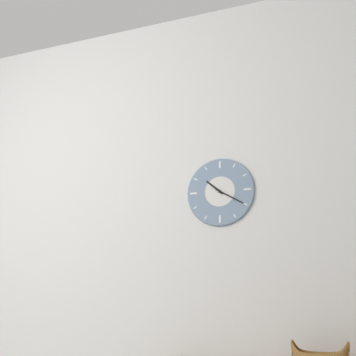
10.20
